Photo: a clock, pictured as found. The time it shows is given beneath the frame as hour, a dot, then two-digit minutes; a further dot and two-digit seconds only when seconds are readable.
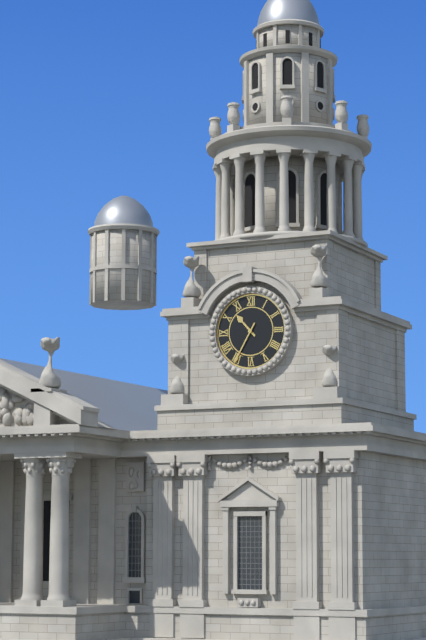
10.35
